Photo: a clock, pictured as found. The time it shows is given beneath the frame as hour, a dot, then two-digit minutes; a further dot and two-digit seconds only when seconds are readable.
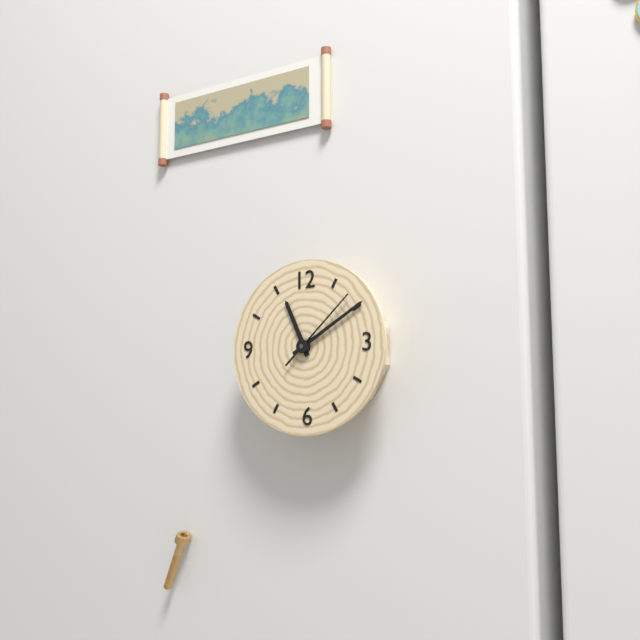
11.10.08
